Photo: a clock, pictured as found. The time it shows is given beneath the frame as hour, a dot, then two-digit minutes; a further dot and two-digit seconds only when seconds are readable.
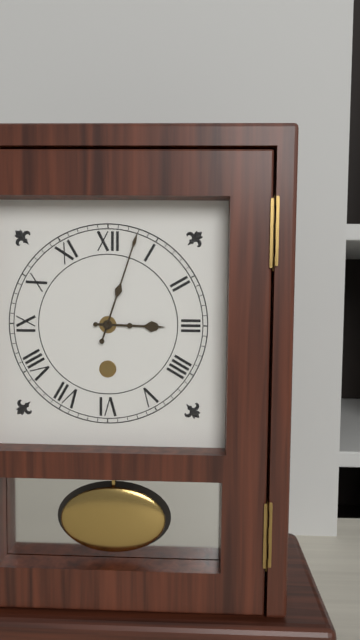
3.03
